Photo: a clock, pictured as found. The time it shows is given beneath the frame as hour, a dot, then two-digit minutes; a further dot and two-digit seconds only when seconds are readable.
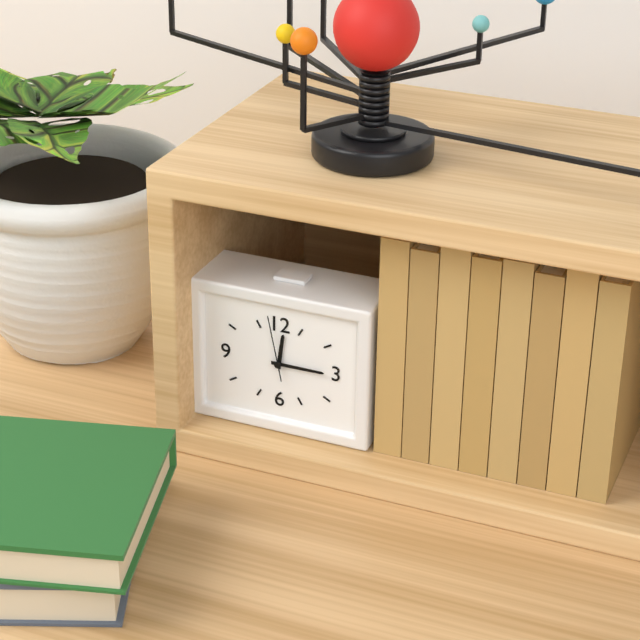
12.15.58
